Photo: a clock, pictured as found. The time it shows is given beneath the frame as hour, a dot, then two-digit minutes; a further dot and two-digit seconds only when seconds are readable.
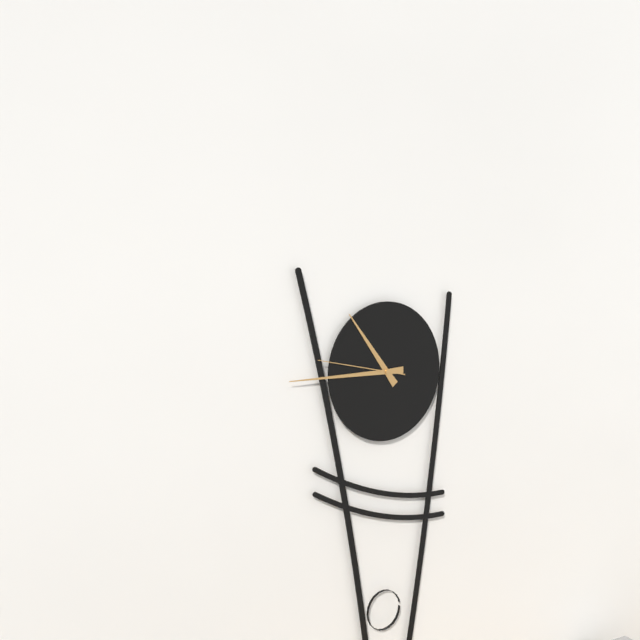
10.45.47
